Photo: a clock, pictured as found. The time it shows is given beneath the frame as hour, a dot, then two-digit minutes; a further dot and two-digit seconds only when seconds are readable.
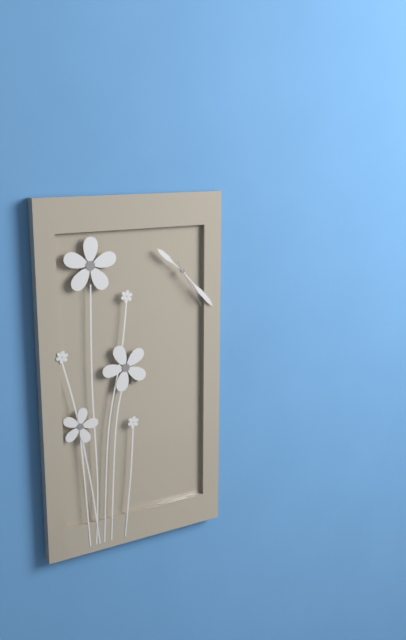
10.23
